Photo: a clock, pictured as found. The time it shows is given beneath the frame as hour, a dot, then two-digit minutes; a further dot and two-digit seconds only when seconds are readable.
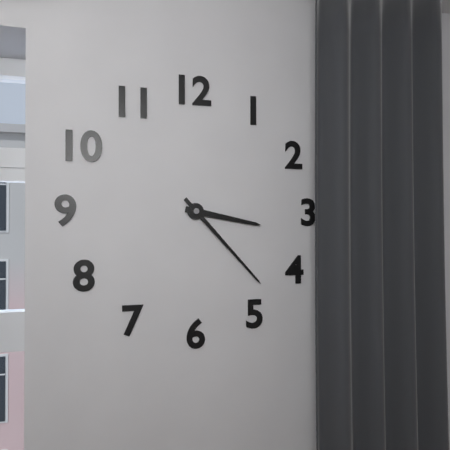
3.23
